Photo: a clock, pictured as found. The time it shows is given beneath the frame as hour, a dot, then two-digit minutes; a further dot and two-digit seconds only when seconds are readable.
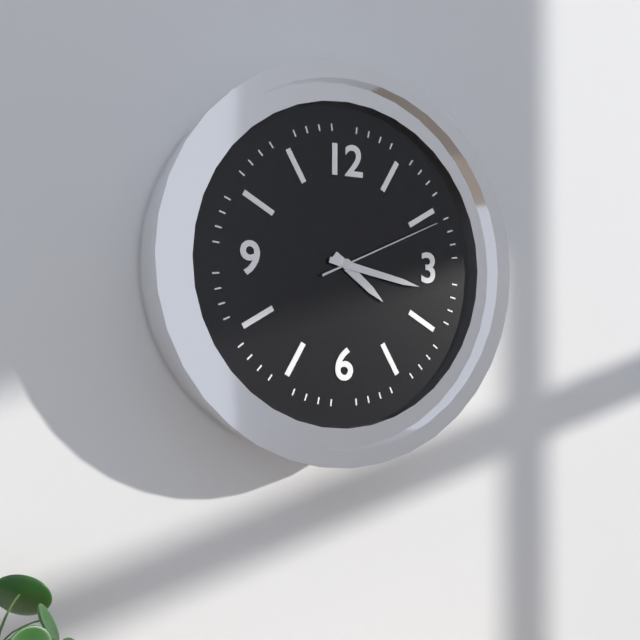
4.17.11
